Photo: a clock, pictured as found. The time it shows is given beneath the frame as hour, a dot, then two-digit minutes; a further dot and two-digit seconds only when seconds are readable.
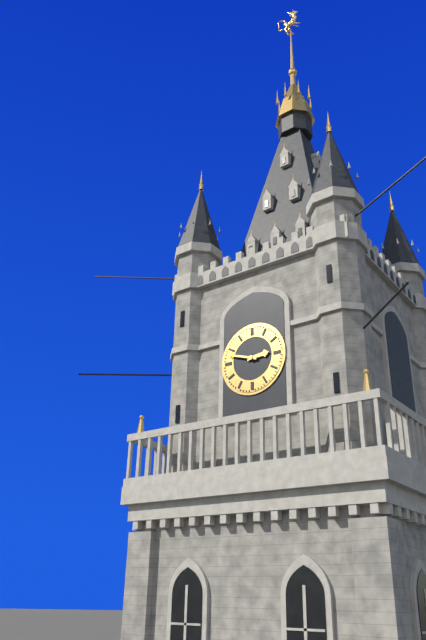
2.48
